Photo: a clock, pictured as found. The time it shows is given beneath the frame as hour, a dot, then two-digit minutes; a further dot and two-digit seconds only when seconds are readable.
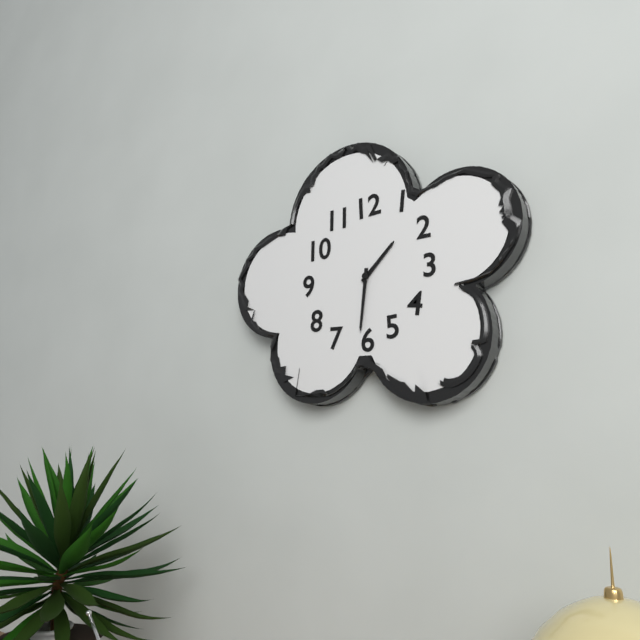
1.31
